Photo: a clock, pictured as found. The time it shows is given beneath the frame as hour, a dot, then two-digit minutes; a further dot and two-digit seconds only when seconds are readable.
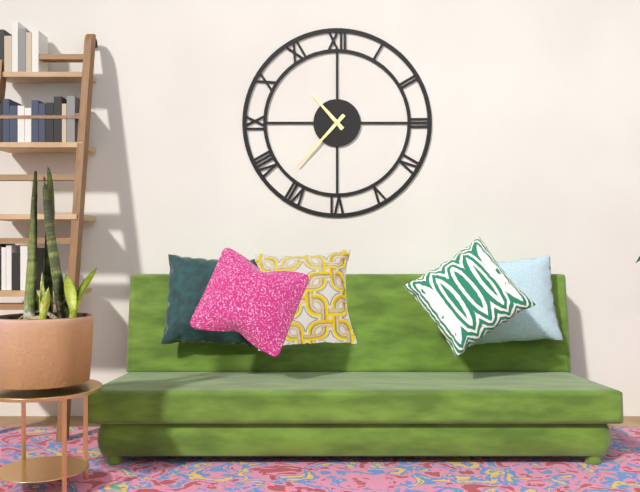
10.37
